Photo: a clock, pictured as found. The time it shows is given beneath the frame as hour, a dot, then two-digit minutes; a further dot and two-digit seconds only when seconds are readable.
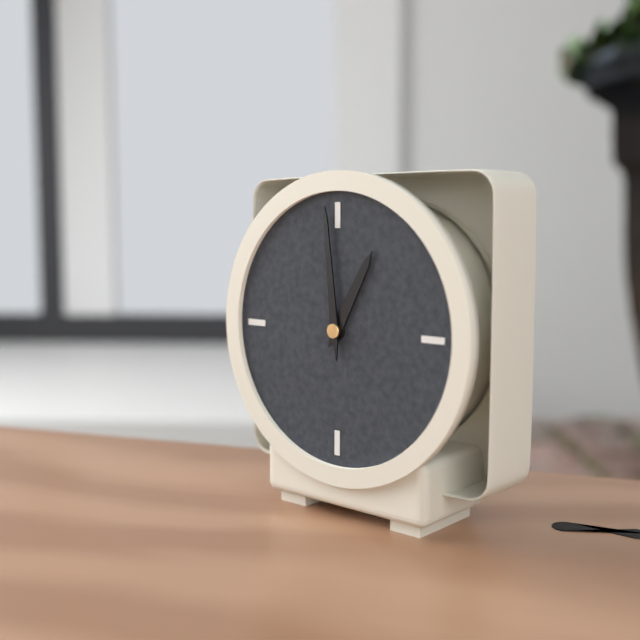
12.59
